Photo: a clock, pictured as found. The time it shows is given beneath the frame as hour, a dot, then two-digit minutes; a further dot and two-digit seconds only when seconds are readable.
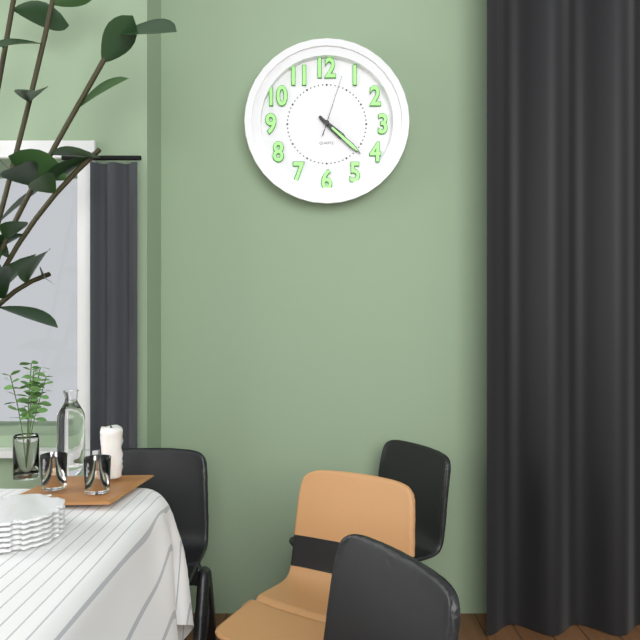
4.22.03
